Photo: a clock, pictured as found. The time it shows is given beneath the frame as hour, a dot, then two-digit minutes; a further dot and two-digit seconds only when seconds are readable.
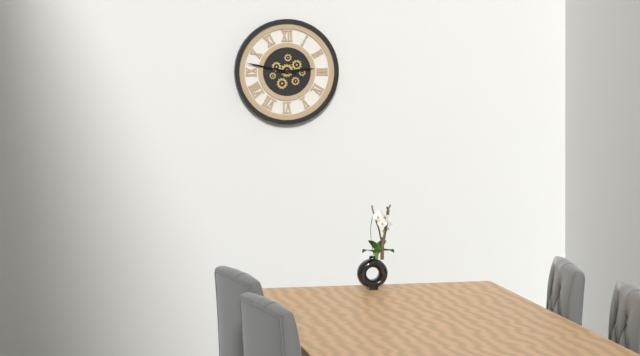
2.47
